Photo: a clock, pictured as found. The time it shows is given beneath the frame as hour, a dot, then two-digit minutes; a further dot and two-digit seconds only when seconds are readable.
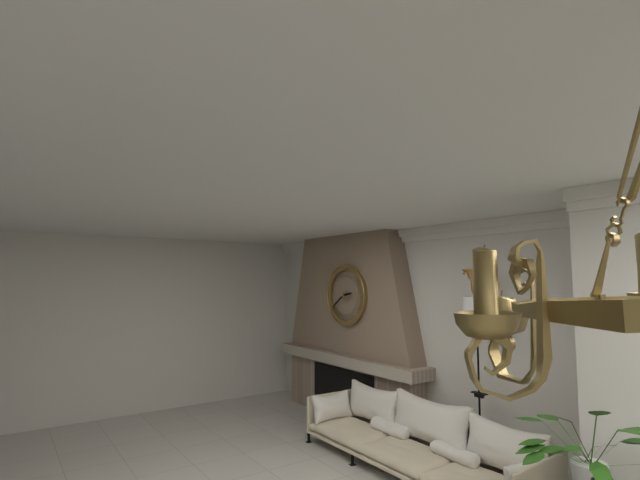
2.39
